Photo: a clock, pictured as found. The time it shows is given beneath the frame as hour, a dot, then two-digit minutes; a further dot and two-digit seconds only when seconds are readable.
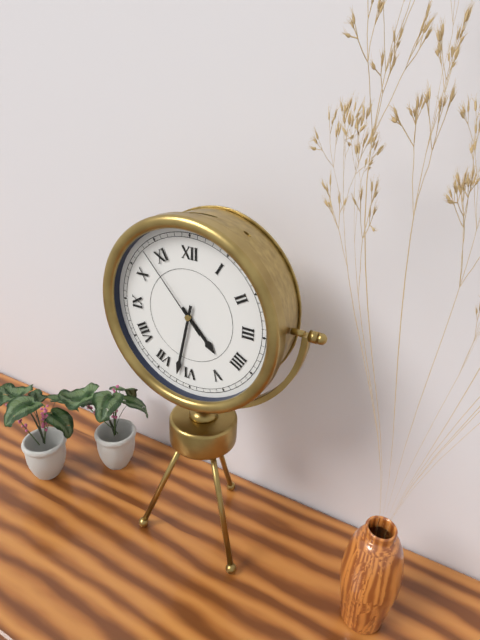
4.32.53
